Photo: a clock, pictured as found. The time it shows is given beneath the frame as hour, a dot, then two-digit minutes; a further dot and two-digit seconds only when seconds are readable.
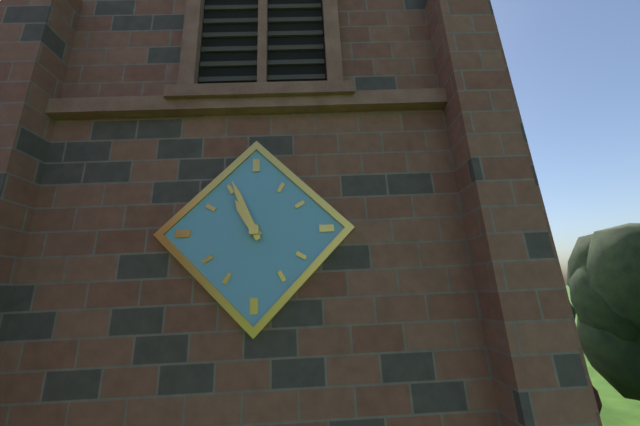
10.56
